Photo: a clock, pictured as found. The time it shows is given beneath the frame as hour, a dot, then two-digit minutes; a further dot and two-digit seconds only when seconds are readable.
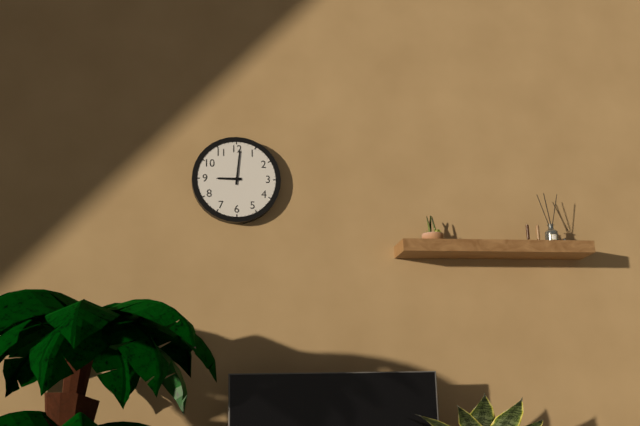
9.01
